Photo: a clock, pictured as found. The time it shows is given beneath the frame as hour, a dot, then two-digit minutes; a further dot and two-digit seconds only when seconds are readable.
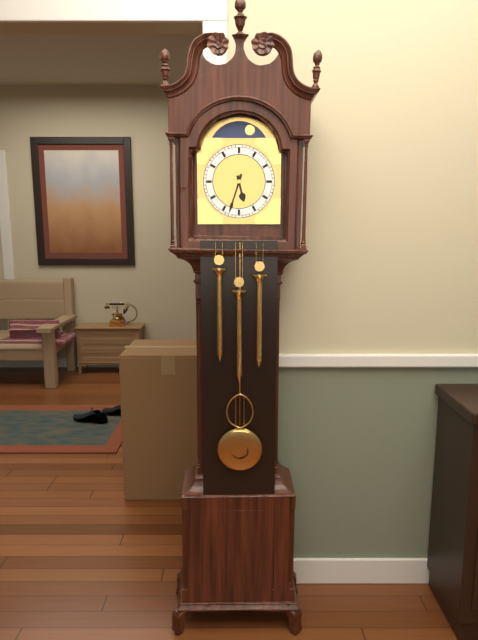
5.33
